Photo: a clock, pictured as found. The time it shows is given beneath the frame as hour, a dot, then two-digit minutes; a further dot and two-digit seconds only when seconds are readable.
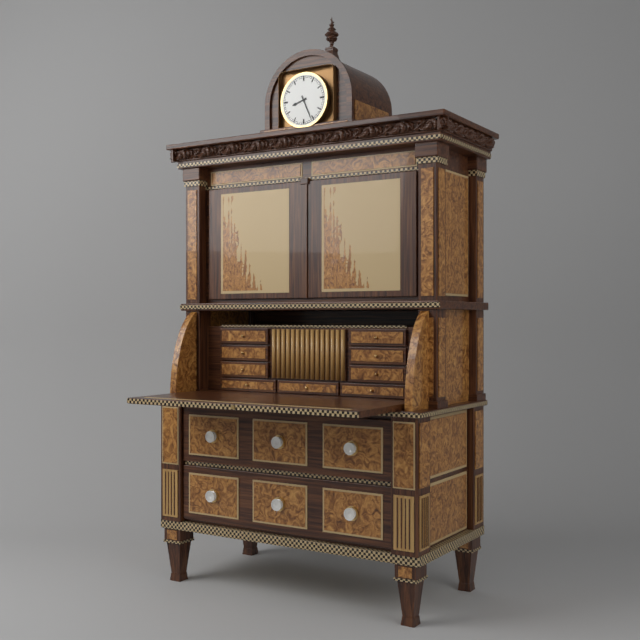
8.26
